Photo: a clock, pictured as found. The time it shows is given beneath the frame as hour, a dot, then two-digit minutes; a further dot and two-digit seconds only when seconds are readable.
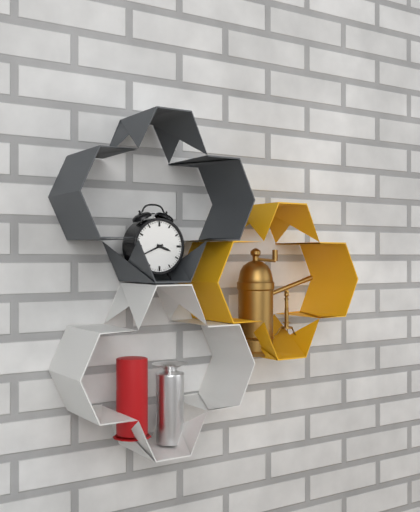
3.41
